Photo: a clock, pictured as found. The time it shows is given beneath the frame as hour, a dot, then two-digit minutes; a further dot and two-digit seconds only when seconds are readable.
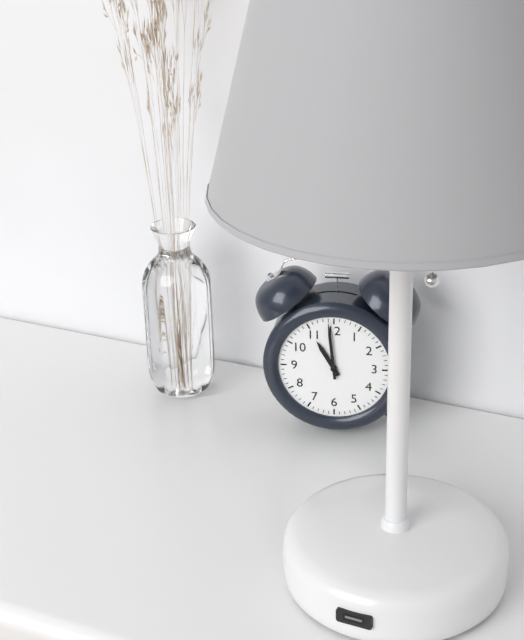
10.59
